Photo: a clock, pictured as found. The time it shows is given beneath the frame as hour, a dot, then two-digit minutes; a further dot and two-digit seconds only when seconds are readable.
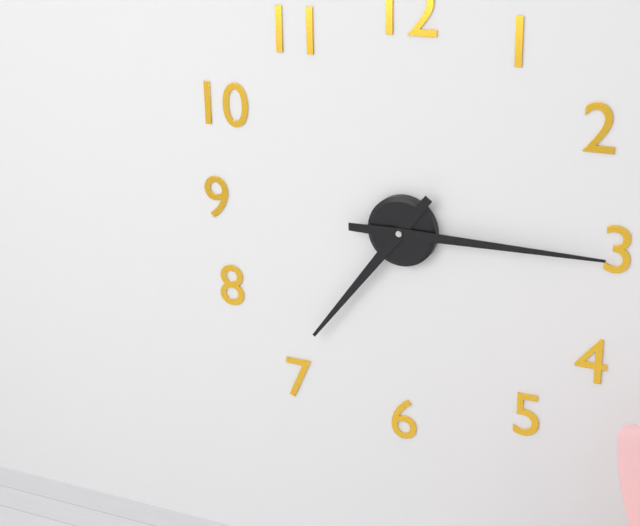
7.15
